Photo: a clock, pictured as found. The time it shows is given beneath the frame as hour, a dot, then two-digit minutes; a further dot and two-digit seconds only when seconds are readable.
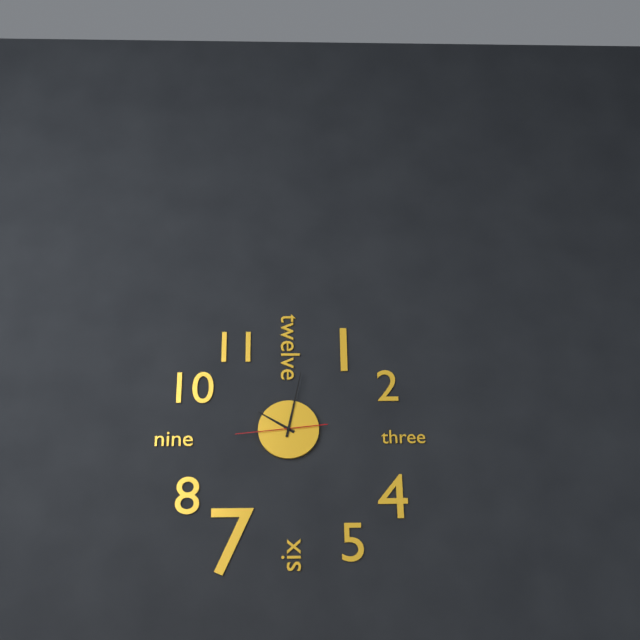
10.02.44
